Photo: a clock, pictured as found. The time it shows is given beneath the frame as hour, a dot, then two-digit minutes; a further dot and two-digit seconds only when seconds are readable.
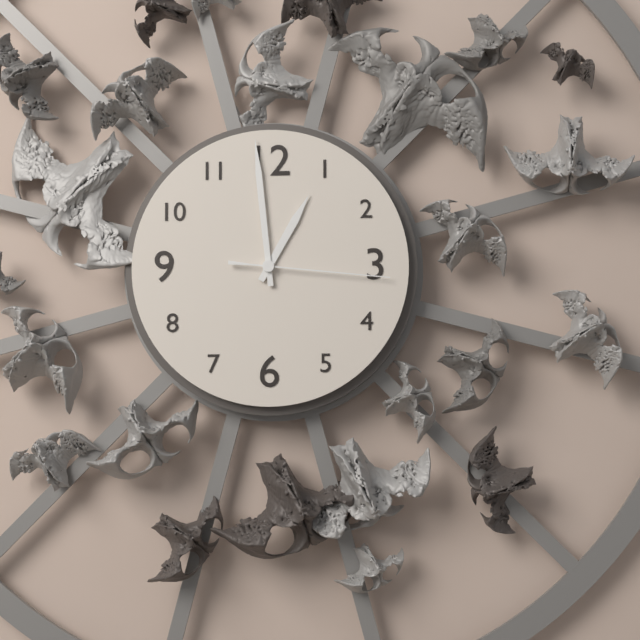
12.59.16
